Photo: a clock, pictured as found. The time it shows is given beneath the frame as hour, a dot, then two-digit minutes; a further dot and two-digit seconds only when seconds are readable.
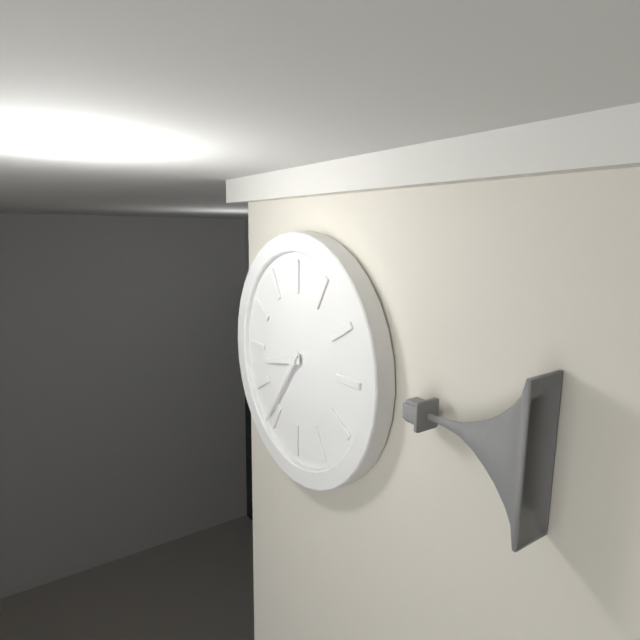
8.36
